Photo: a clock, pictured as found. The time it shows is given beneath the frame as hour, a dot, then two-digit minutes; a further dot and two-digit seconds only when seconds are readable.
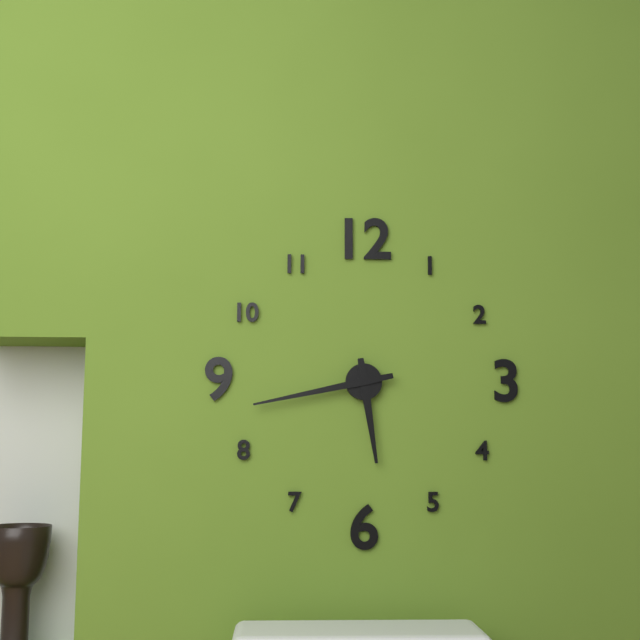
5.43
